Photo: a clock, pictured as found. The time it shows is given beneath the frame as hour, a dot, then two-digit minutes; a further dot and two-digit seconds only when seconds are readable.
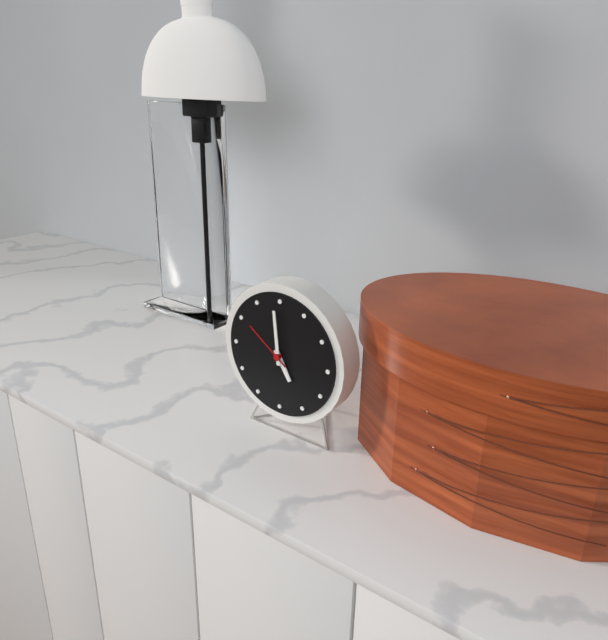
4.59.51
